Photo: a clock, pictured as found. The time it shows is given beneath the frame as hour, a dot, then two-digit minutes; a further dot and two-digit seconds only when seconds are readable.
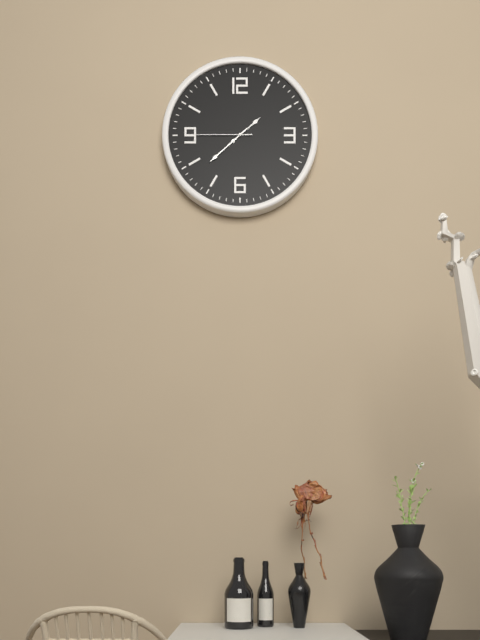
1.38.45
